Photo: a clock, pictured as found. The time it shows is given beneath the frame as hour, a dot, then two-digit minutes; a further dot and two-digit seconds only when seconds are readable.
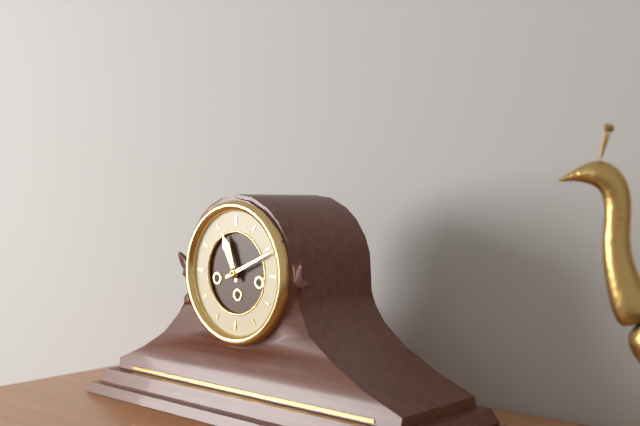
11.11
